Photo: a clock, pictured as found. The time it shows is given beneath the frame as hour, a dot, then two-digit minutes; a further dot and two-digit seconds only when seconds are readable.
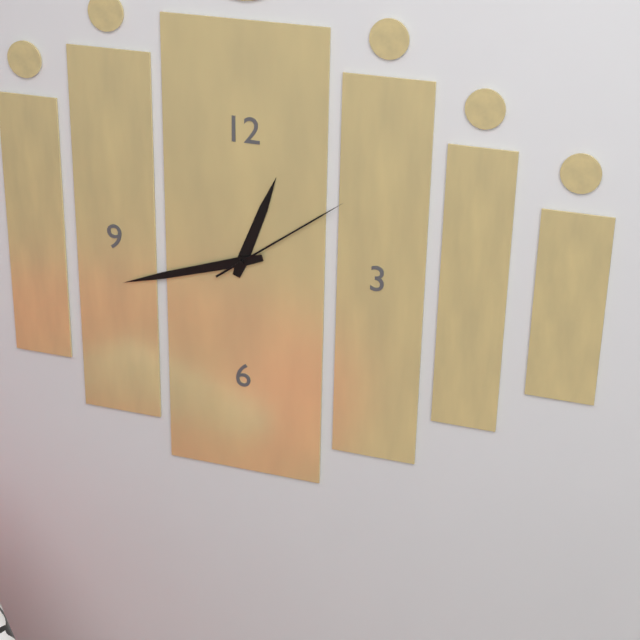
12.42.09
